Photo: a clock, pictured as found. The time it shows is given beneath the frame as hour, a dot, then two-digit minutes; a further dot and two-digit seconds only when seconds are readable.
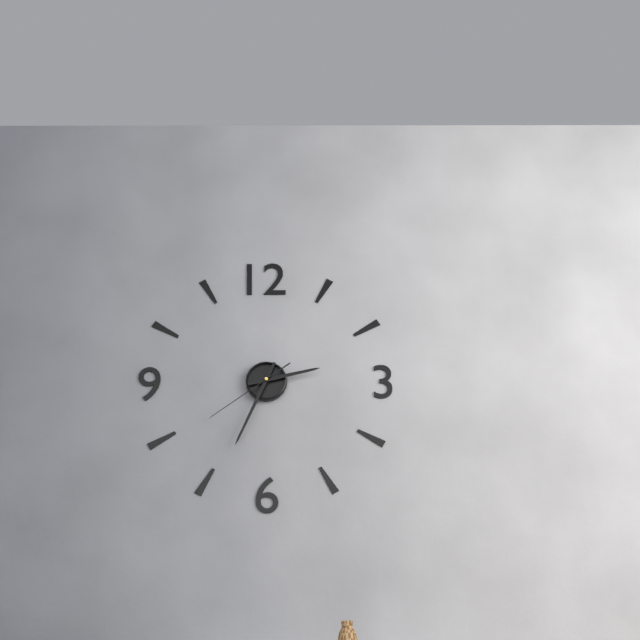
2.34.39
